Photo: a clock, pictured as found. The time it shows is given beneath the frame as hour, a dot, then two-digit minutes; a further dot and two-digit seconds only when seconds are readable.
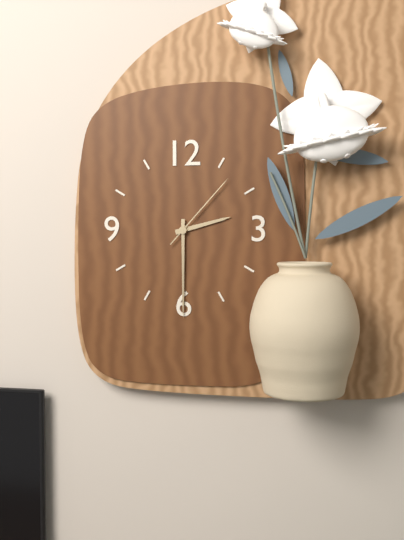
2.30.07
